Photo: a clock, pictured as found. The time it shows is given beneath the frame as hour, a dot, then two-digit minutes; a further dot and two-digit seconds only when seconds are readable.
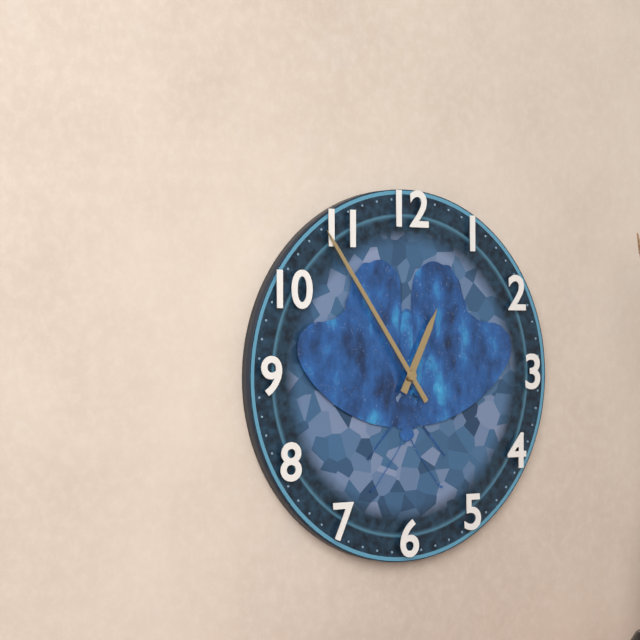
12.54
